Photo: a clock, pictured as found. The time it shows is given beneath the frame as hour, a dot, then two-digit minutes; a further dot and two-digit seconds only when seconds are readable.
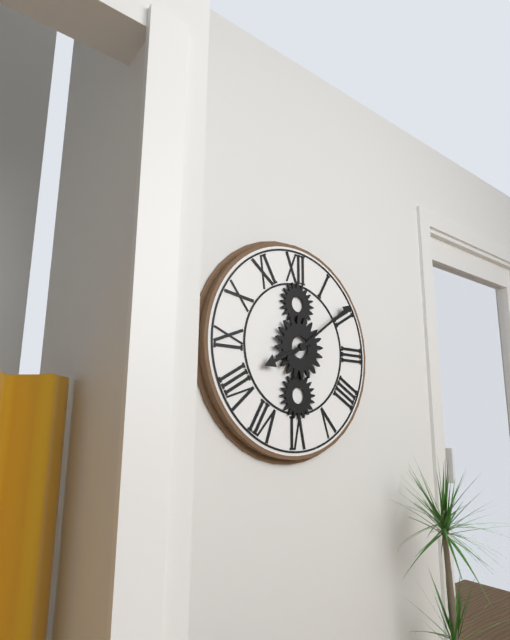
8.09
